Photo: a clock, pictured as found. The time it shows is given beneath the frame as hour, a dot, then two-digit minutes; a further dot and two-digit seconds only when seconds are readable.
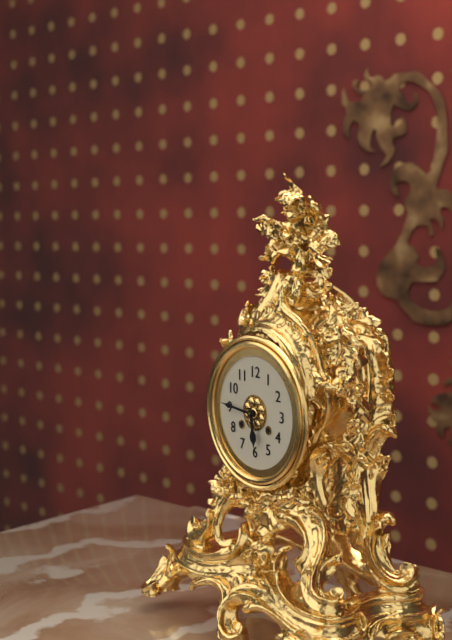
5.46
